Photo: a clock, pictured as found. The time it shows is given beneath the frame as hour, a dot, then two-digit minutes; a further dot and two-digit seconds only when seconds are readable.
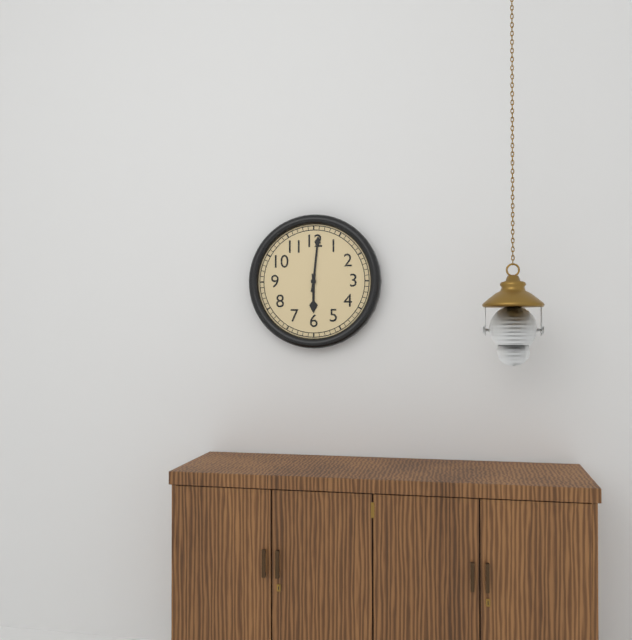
6.01
